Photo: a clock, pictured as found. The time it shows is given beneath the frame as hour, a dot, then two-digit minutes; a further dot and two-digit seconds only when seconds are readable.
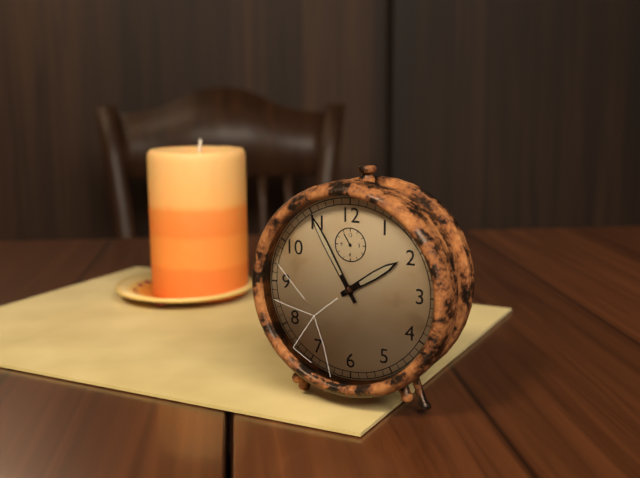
1.55
